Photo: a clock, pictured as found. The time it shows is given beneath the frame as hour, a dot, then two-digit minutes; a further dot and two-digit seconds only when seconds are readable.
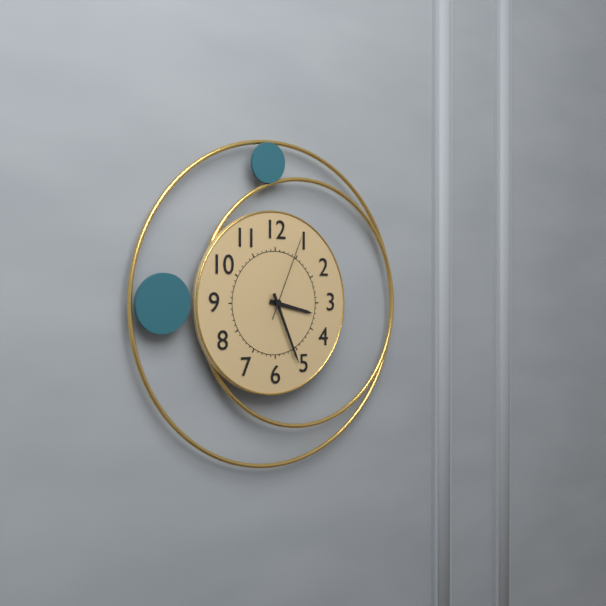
3.26.04
